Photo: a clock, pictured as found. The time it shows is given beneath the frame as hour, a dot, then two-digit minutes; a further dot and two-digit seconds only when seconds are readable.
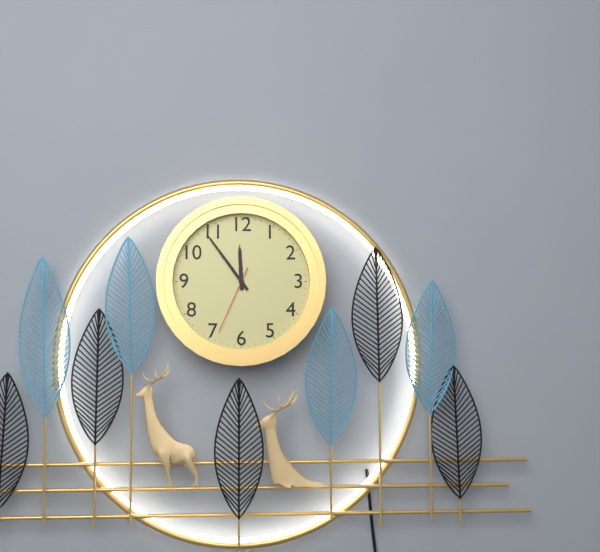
11.54.34
